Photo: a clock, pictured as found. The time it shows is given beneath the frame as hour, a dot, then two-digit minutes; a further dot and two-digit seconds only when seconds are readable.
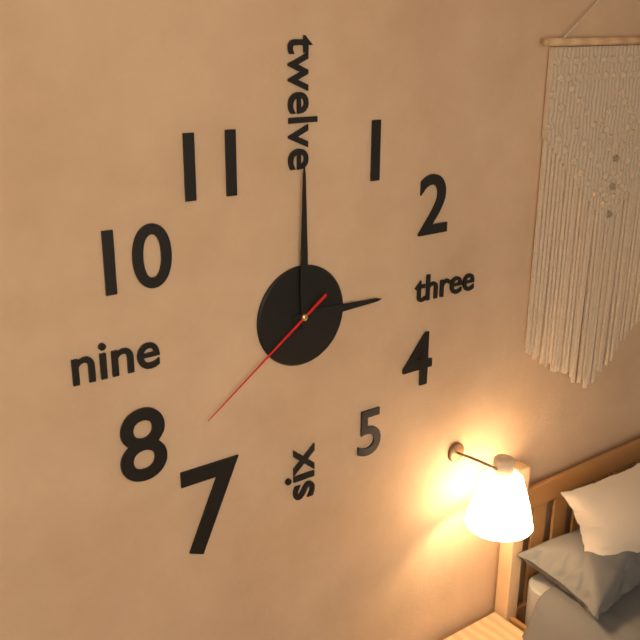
3.00.39
